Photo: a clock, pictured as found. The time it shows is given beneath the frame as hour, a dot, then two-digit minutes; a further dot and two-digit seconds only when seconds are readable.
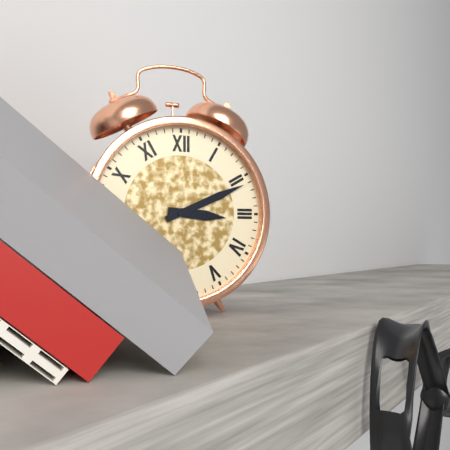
3.11
